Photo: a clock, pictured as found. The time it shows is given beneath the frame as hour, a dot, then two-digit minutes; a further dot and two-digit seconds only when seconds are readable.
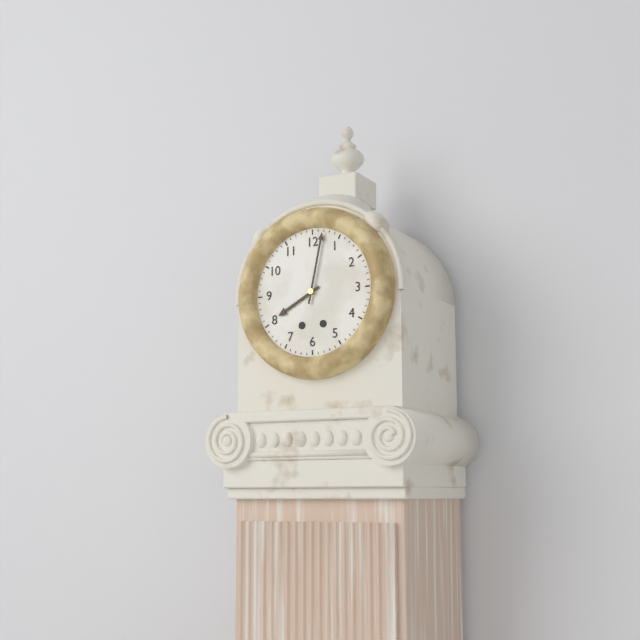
8.02
